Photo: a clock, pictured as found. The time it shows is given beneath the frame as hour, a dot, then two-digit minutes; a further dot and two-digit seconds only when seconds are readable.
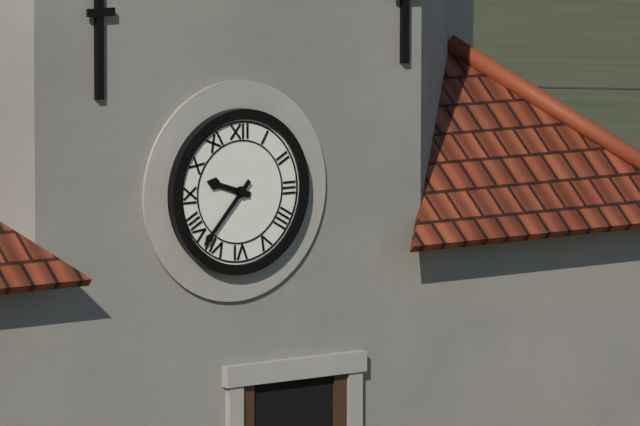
9.37
